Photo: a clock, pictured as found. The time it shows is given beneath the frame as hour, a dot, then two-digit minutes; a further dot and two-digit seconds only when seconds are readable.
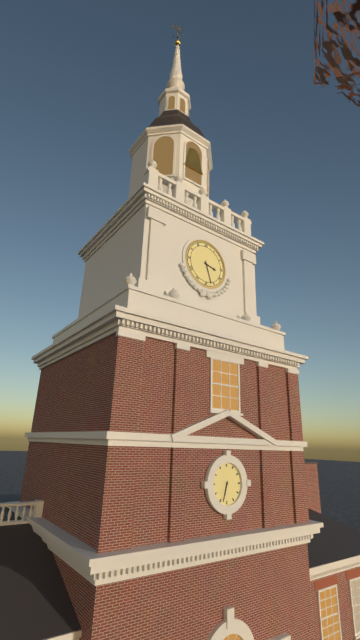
3.27
